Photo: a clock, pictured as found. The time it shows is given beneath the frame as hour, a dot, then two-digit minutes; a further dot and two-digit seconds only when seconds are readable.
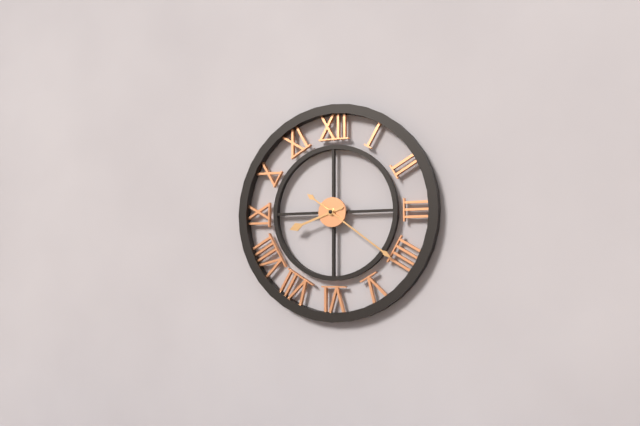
8.21
